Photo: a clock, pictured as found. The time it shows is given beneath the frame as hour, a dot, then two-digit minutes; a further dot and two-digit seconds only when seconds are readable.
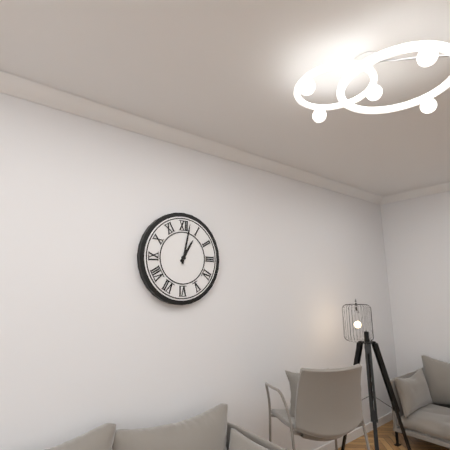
1.02
